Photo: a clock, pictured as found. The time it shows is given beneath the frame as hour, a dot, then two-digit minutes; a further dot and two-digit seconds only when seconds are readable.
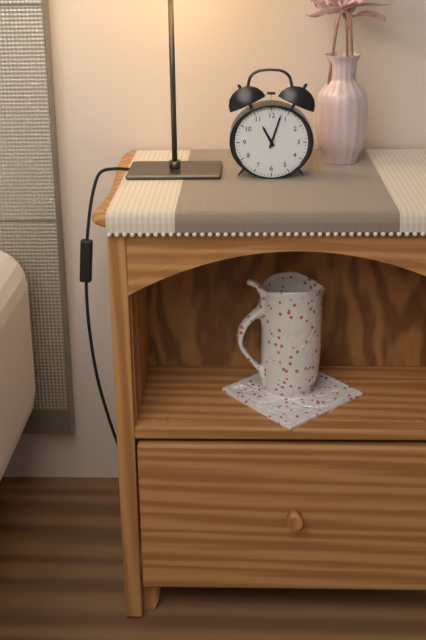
11.03
